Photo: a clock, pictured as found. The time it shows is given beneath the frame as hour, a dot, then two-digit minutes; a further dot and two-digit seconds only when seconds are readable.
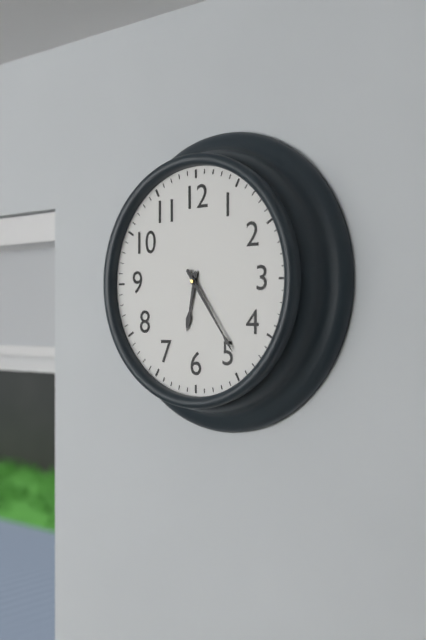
6.24
